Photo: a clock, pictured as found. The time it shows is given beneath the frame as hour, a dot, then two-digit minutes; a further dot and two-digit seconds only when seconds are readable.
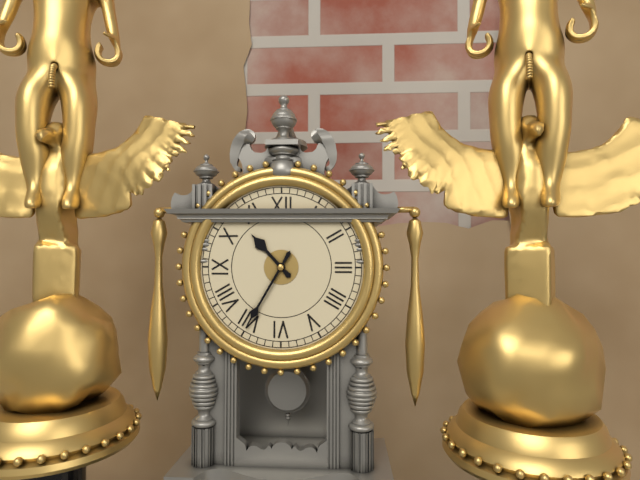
10.35
